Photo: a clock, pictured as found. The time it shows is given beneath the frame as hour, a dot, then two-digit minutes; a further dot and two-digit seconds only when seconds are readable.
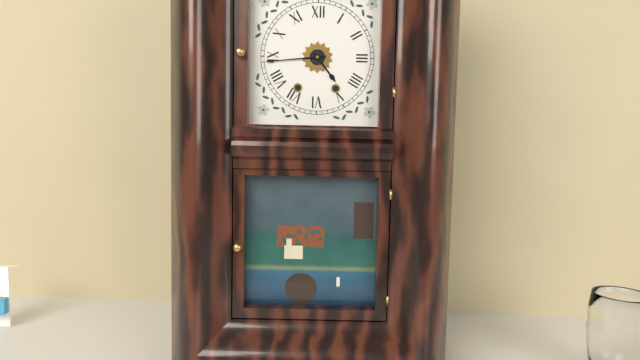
4.44
